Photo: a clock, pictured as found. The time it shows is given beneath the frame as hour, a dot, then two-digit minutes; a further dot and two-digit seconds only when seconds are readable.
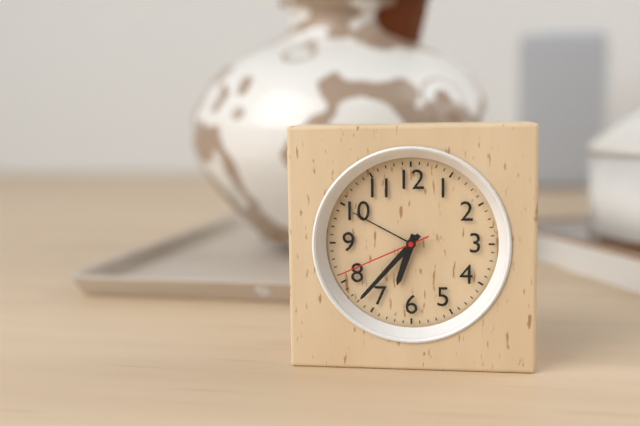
6.37.41
